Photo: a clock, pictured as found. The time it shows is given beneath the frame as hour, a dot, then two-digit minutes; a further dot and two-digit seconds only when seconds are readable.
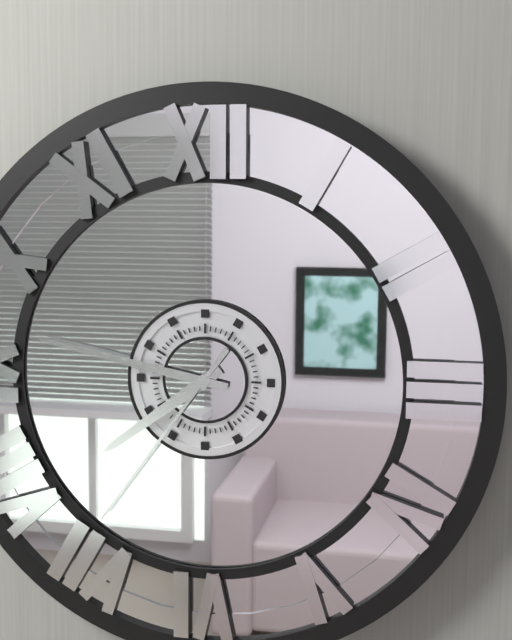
7.47.36
